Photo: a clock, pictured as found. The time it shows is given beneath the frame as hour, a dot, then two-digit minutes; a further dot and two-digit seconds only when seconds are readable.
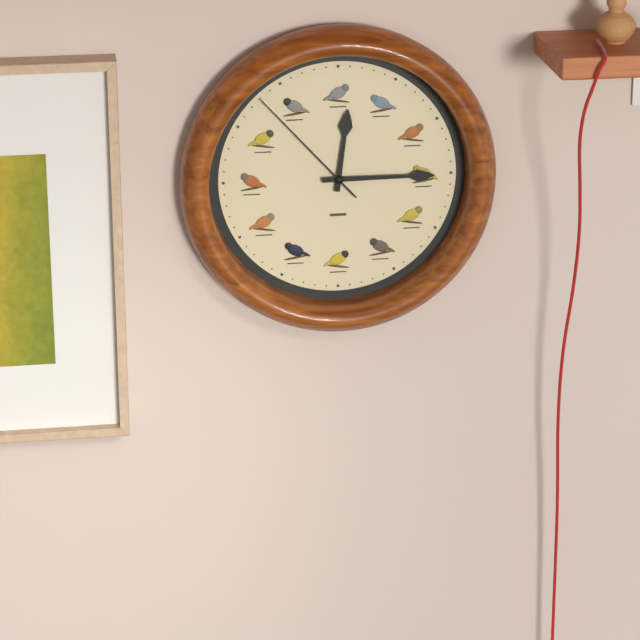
12.15.53
